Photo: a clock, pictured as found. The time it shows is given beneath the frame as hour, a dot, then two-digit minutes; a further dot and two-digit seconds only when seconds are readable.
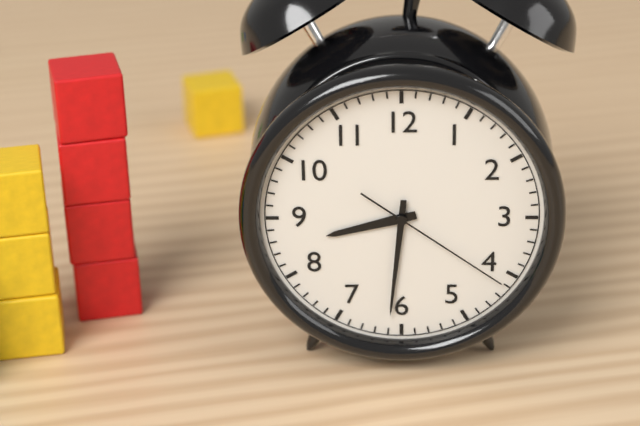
8.31.21
